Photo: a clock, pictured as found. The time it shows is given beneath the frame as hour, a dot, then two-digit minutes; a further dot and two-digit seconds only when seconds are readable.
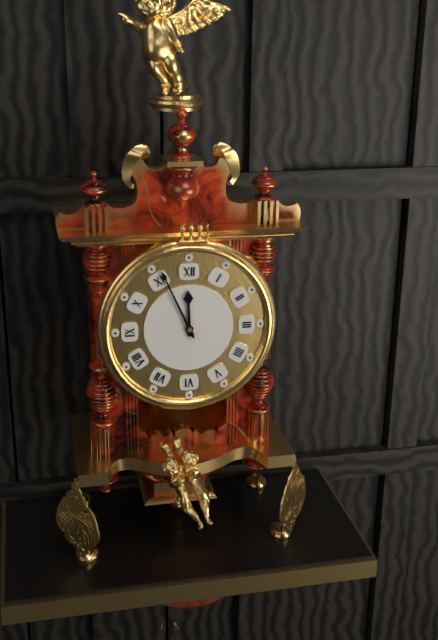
11.56
